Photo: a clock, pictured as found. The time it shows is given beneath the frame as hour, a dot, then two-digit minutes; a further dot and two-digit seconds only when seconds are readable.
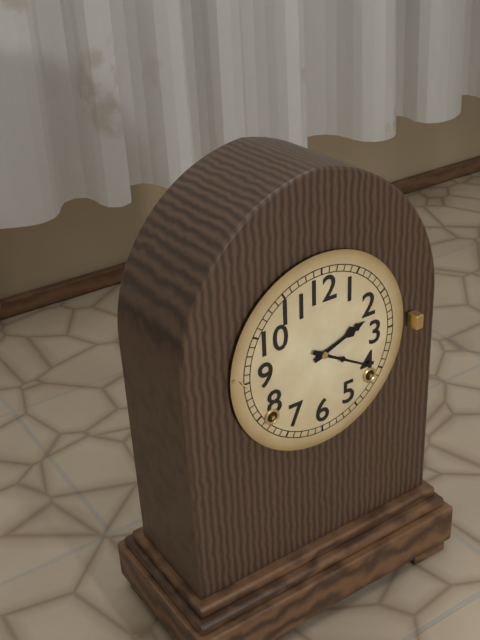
2.20
